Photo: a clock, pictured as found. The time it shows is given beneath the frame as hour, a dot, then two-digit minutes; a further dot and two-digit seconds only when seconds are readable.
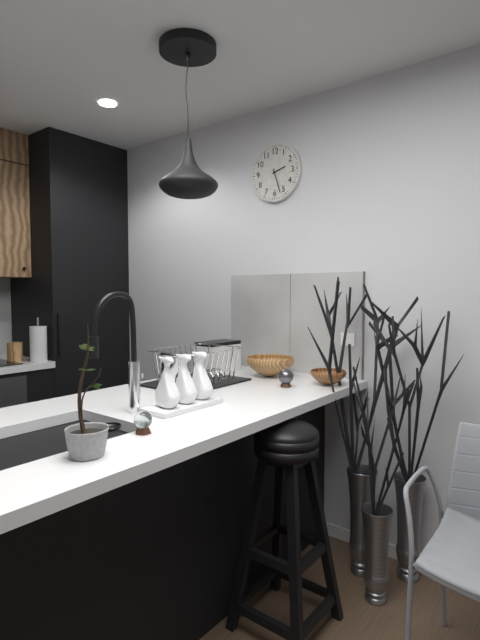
2.27
